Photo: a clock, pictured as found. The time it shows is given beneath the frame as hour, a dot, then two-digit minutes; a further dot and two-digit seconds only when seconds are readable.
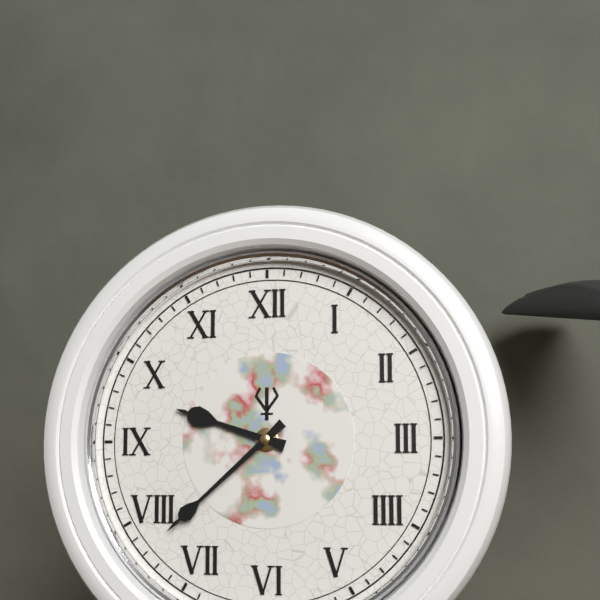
9.38
